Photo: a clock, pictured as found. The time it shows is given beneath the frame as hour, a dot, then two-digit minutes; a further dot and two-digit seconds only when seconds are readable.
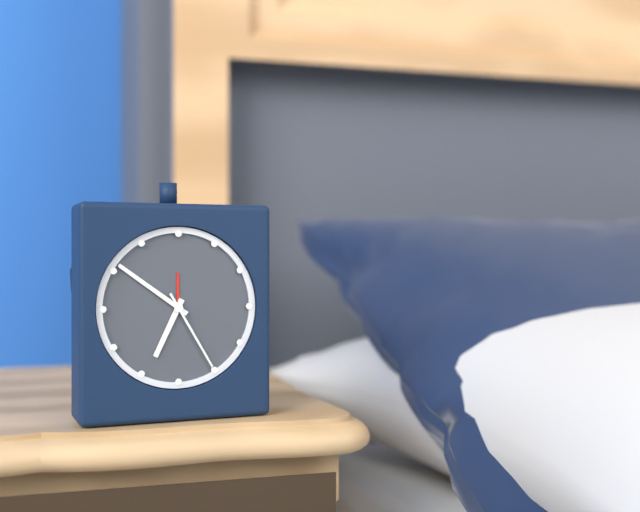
6.51.25
